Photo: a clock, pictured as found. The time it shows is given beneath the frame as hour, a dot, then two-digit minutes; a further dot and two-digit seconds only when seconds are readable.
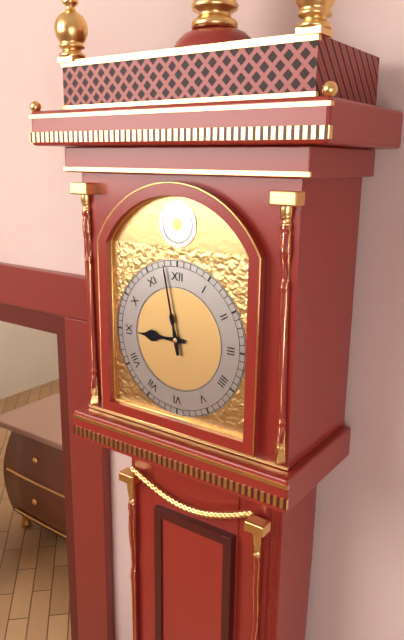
8.58
